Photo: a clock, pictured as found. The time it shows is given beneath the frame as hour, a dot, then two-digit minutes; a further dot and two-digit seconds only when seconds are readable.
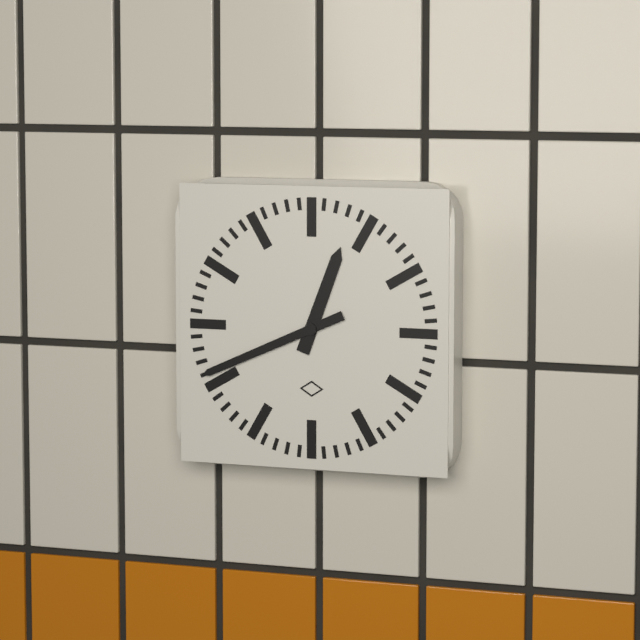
12.41
